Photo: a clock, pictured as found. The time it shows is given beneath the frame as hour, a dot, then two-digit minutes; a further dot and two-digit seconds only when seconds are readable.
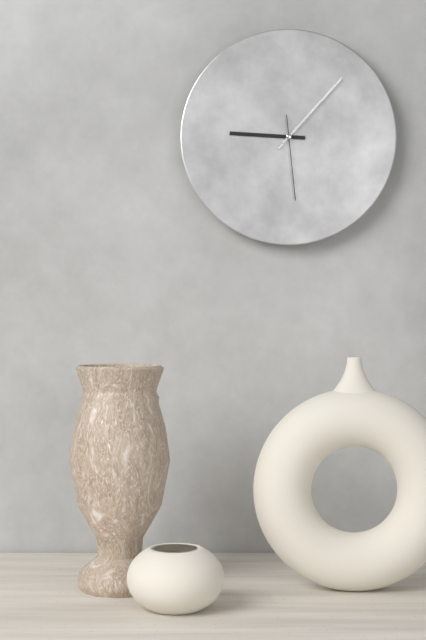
9.07.29
